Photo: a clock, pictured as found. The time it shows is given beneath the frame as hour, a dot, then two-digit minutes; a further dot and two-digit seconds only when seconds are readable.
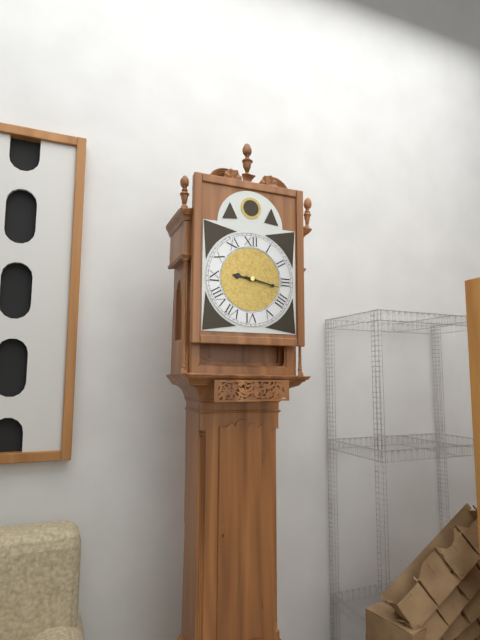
9.17
